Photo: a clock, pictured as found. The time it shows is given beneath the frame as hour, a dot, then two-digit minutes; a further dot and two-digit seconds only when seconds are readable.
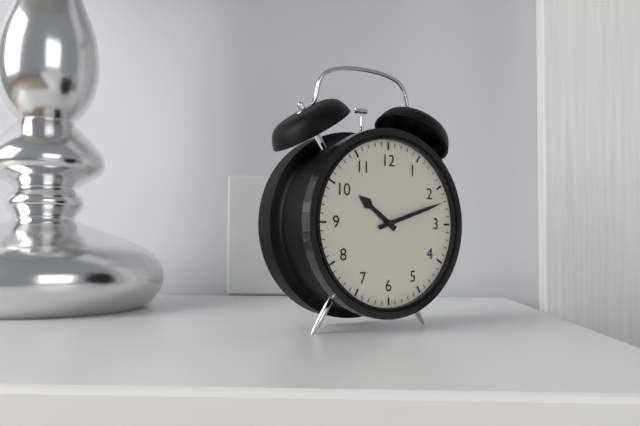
10.12
